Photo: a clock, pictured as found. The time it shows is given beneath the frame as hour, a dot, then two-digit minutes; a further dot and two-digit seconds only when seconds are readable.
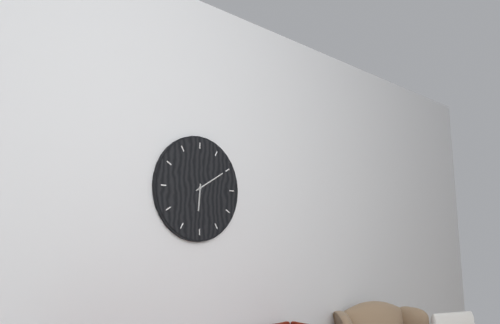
6.10
